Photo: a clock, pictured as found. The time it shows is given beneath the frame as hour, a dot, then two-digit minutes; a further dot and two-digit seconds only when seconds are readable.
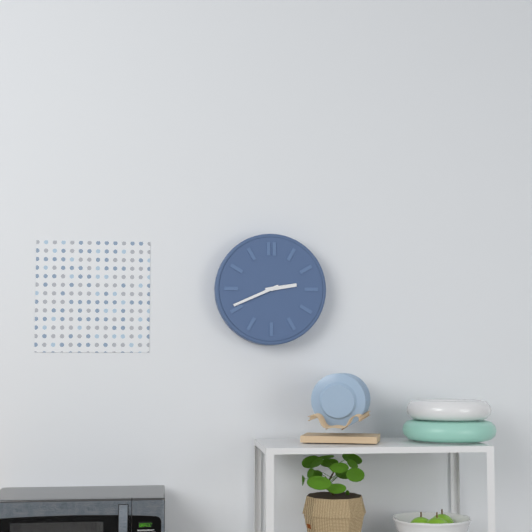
2.41
